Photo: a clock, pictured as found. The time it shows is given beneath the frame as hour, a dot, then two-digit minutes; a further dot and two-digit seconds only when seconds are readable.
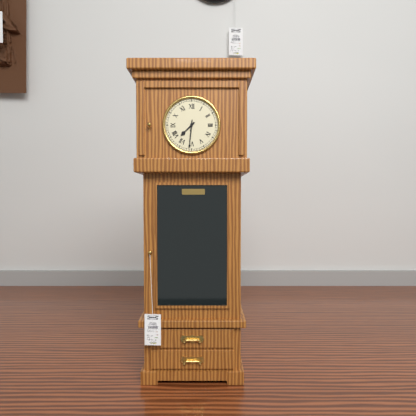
7.31
